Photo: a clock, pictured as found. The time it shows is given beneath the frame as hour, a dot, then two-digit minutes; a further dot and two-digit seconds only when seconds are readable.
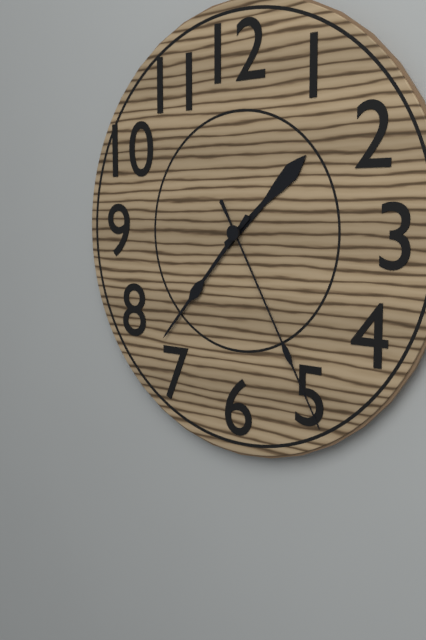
1.37.25
